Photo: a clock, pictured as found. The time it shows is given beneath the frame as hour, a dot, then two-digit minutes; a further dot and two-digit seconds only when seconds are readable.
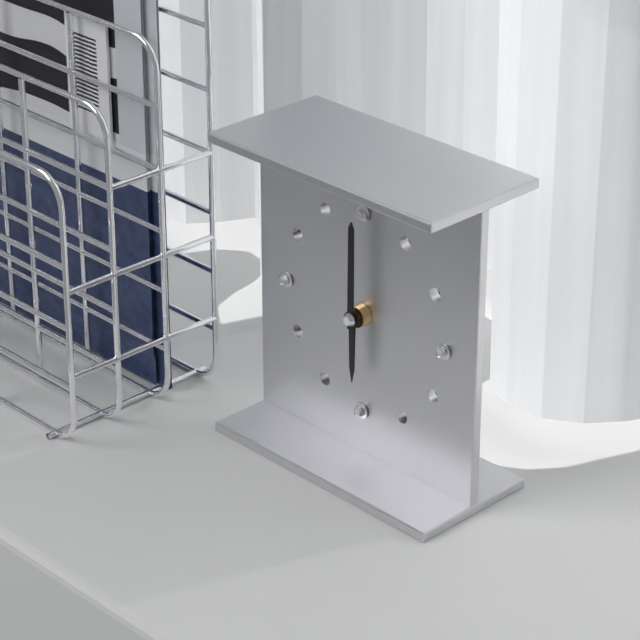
6.00
